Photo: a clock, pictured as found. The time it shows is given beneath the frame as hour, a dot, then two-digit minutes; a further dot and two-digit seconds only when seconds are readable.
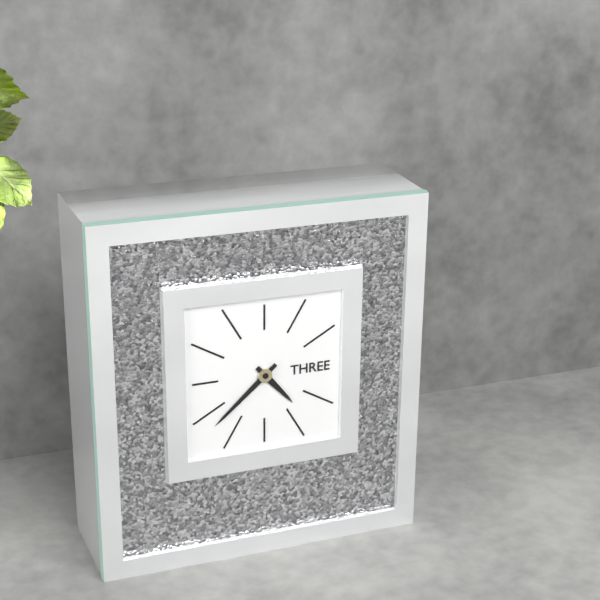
4.38
